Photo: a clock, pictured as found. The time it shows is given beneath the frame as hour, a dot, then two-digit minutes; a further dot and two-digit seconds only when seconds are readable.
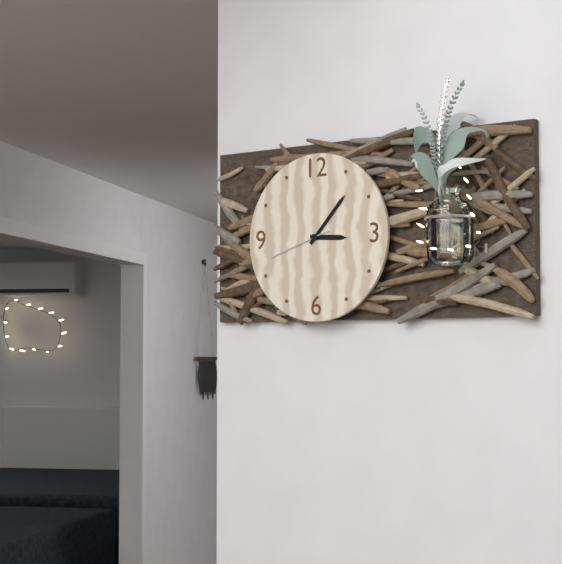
3.07.42
